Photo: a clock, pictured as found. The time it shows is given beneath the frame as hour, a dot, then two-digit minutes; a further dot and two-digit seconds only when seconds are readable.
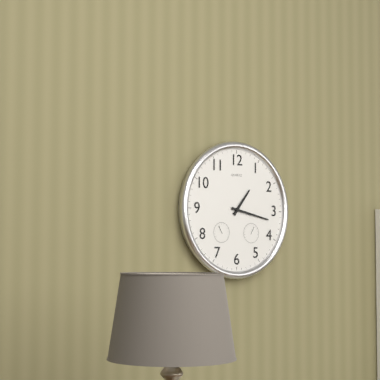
1.17
